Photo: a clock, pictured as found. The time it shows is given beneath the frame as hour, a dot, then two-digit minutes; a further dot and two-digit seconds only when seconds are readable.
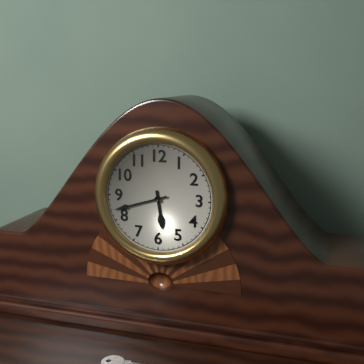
5.42
